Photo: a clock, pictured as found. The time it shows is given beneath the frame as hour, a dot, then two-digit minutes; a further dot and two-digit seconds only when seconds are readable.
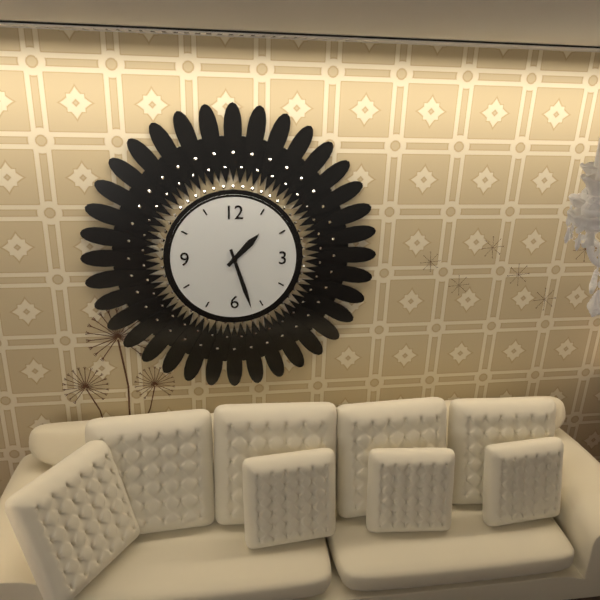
1.27
